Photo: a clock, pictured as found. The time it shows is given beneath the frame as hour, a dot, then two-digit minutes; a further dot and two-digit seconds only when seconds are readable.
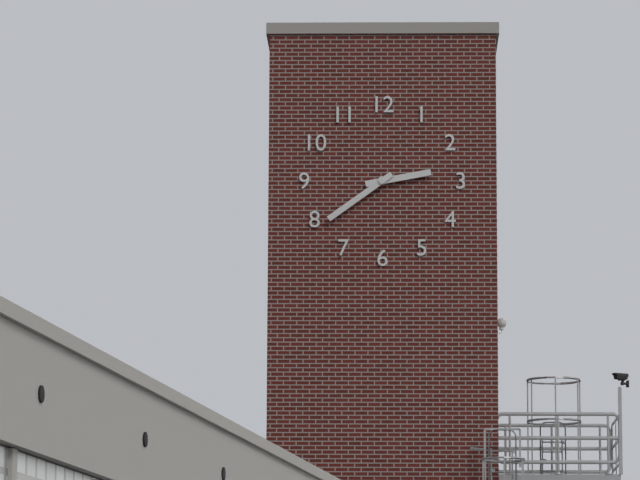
2.39
